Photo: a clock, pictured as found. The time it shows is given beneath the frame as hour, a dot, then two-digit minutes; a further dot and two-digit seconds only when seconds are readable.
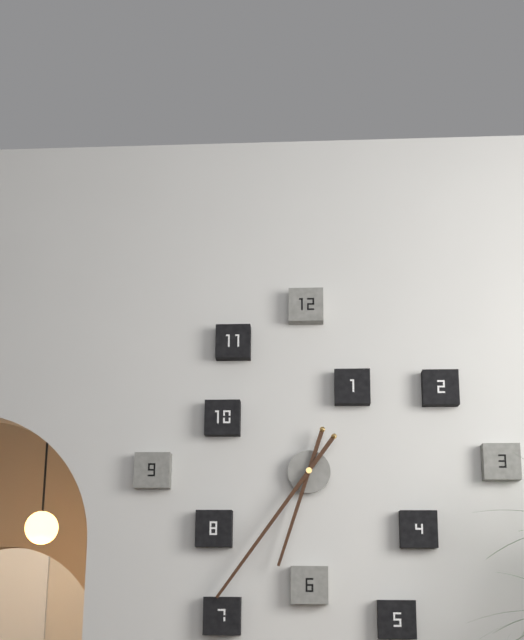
6.36
